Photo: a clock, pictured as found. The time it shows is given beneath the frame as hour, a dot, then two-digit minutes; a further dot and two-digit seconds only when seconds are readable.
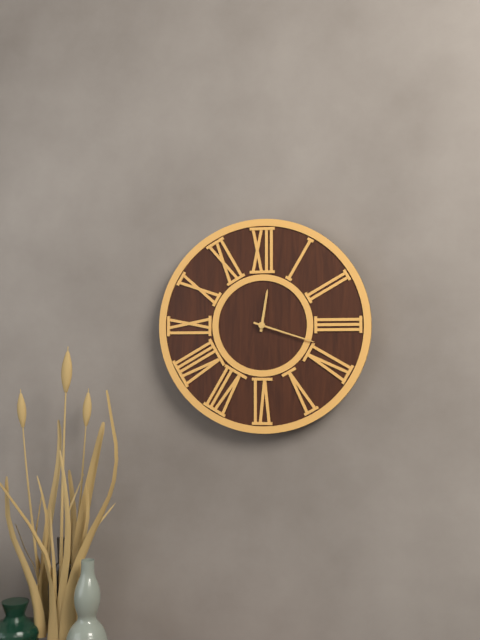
12.18
